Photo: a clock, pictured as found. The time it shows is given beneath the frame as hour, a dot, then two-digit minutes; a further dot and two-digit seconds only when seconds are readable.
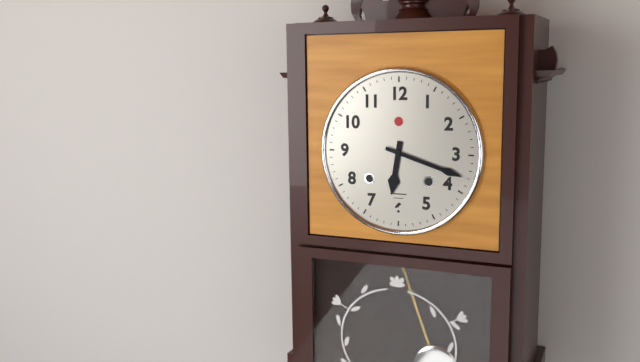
6.18
